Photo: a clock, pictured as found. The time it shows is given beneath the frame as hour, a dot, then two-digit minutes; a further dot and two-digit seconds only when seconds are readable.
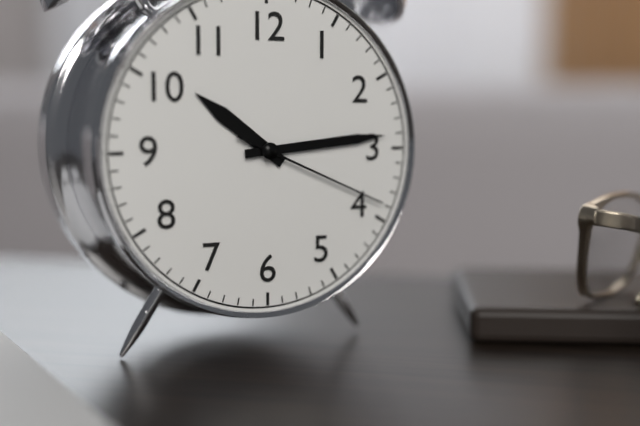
10.14.19
